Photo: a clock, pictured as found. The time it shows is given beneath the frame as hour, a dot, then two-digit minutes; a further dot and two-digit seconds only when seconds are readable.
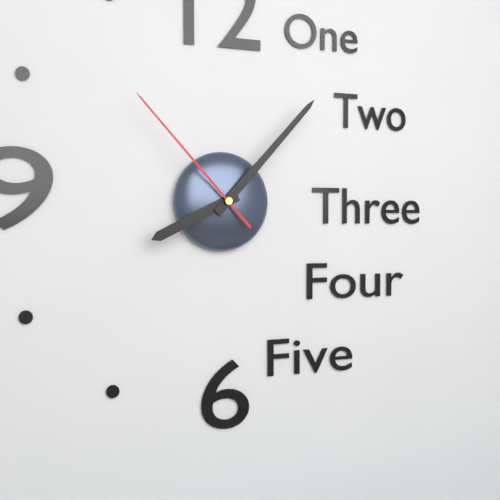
8.07.53
